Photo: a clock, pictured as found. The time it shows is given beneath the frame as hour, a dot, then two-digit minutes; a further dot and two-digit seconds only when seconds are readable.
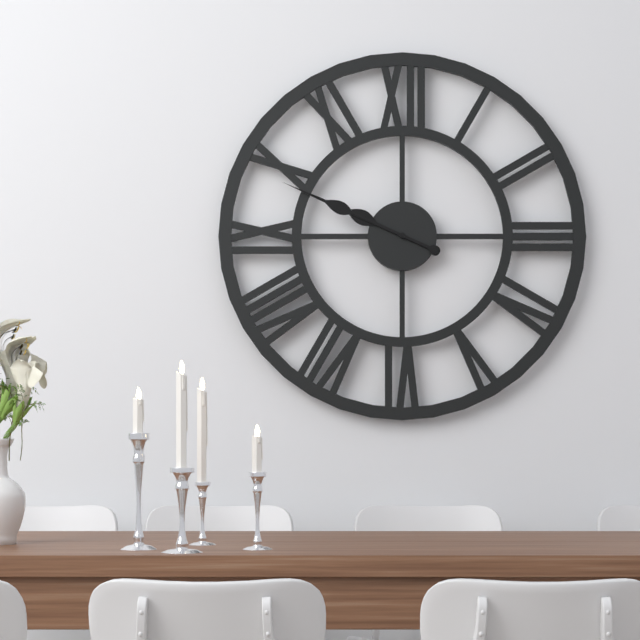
9.49
